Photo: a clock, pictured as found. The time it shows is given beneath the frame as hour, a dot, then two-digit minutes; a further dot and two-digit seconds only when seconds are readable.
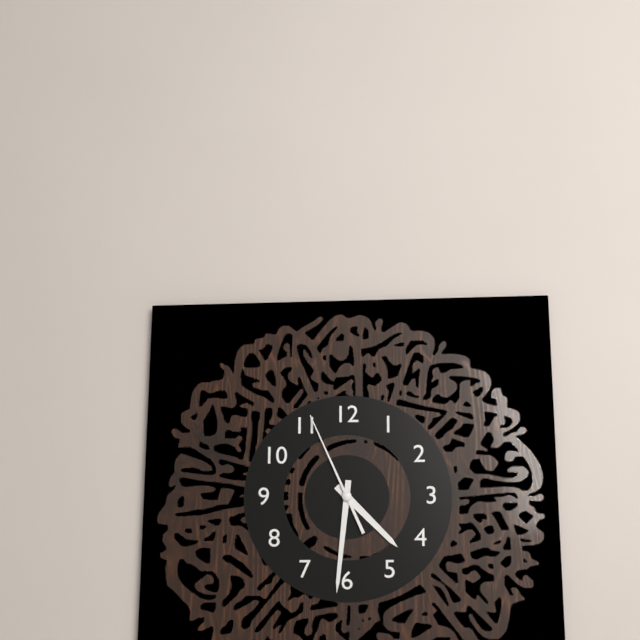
4.31.56
